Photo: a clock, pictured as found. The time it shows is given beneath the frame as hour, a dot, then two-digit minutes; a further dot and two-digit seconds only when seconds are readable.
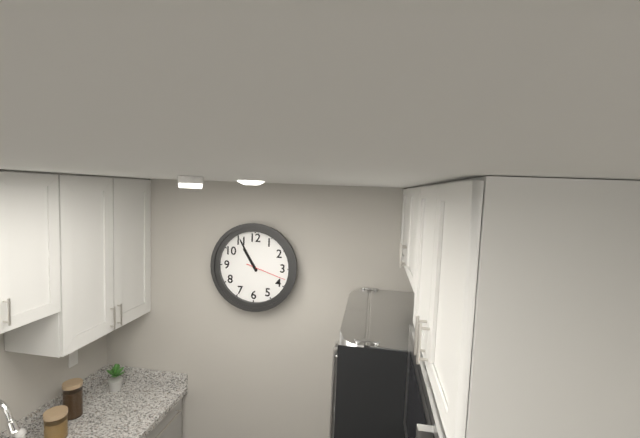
10.55
